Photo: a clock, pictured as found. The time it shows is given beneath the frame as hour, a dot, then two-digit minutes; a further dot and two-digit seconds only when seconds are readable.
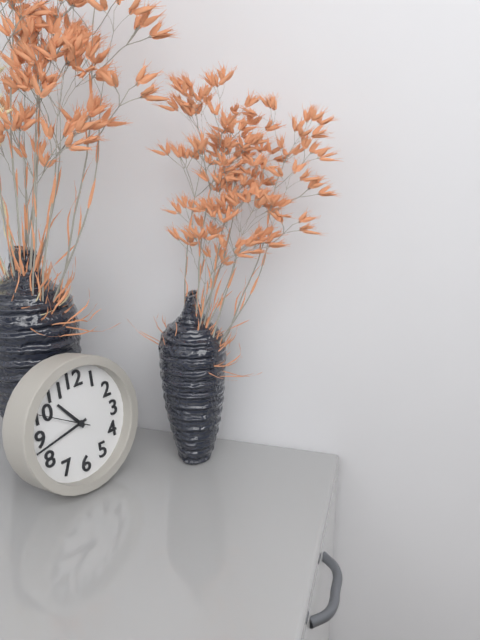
10.43.50
